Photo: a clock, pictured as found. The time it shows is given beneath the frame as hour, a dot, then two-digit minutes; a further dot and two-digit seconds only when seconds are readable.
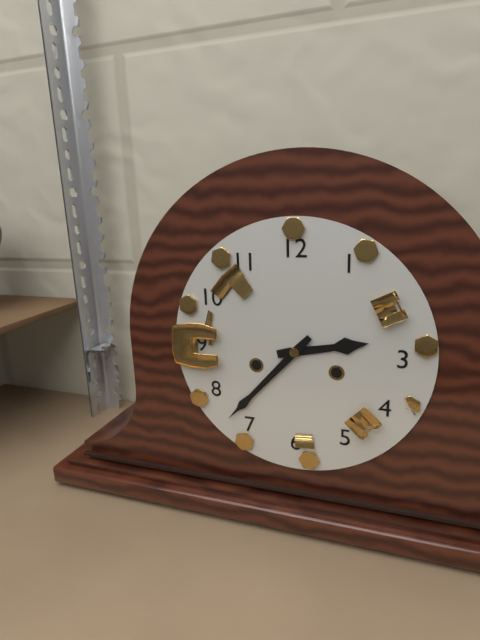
2.37
